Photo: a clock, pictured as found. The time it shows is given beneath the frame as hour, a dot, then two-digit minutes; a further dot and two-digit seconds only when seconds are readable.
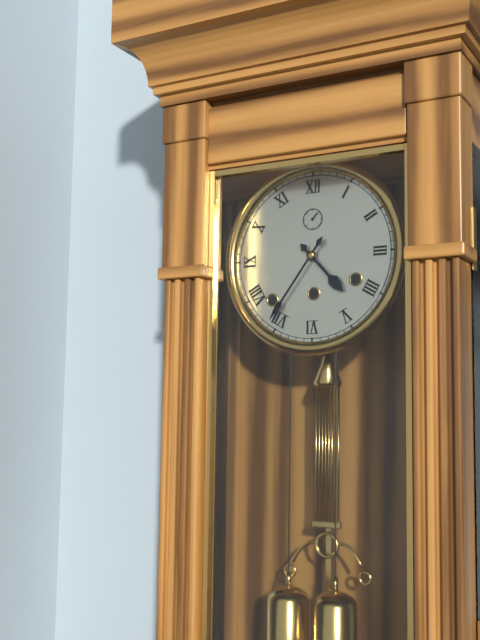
4.36
